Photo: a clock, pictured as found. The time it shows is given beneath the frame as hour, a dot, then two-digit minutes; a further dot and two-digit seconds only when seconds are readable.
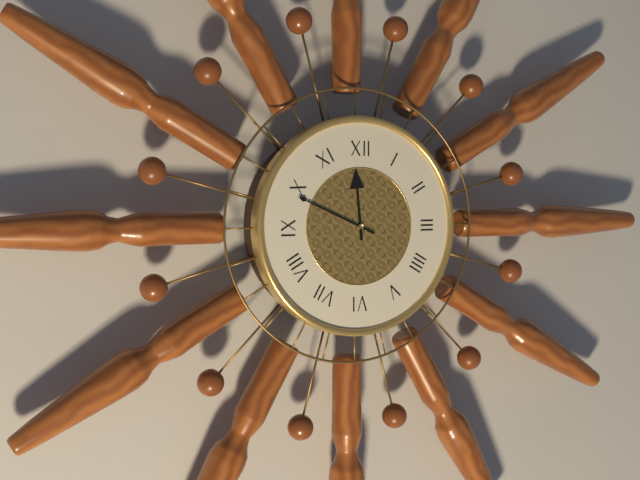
11.49
